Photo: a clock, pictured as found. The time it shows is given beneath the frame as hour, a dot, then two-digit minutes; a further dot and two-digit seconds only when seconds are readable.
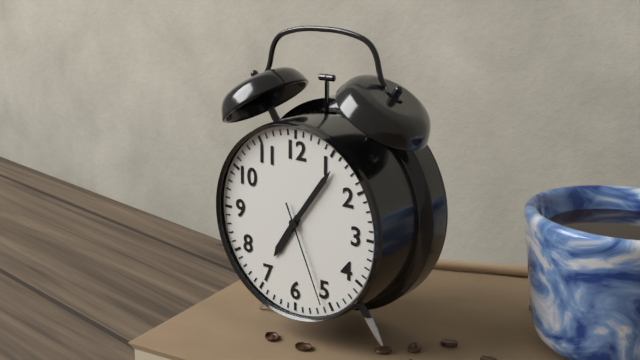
7.06.26
